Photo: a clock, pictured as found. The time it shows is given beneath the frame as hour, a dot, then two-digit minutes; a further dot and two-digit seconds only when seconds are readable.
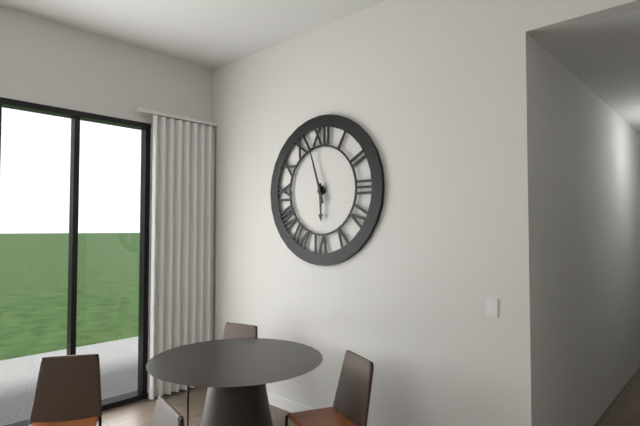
5.57
